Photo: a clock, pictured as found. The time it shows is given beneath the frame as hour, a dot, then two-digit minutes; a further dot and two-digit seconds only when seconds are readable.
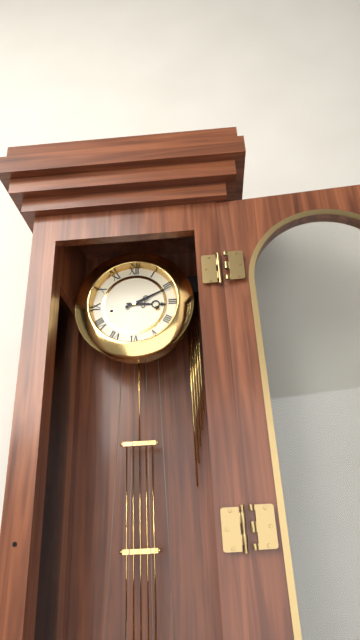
3.11
